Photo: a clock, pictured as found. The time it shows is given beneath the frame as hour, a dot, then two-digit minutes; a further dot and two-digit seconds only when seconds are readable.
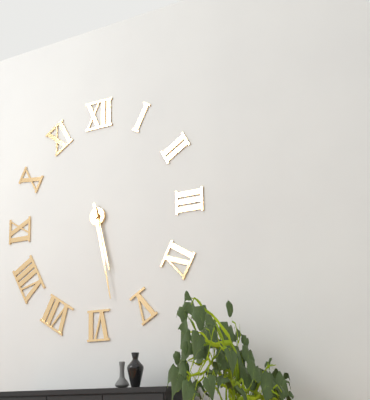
5.28
